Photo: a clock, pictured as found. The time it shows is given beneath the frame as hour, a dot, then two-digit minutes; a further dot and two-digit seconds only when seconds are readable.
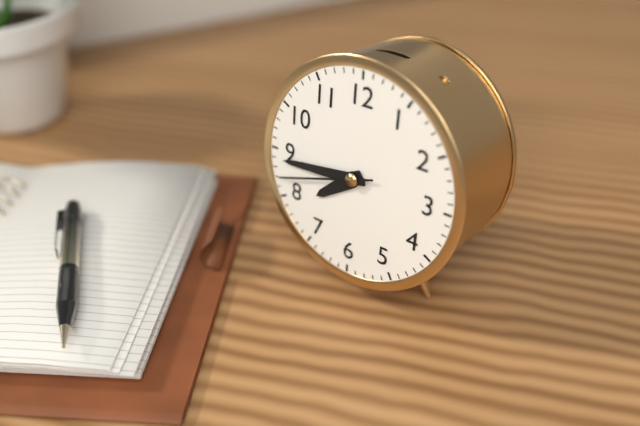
7.44.42
